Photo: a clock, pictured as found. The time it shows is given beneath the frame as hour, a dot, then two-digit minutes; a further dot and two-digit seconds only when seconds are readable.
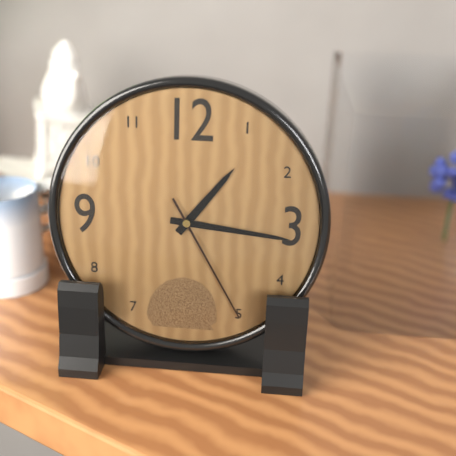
1.16.25
